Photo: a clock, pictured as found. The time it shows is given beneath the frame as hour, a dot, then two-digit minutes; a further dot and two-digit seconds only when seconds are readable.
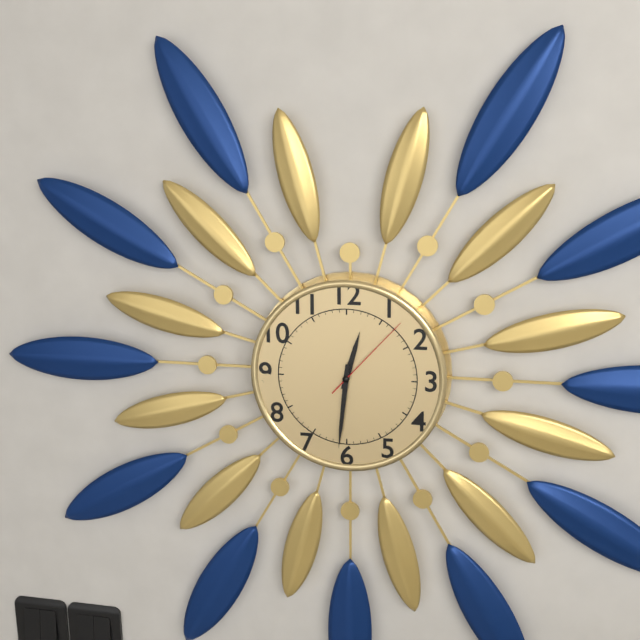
12.31.07
